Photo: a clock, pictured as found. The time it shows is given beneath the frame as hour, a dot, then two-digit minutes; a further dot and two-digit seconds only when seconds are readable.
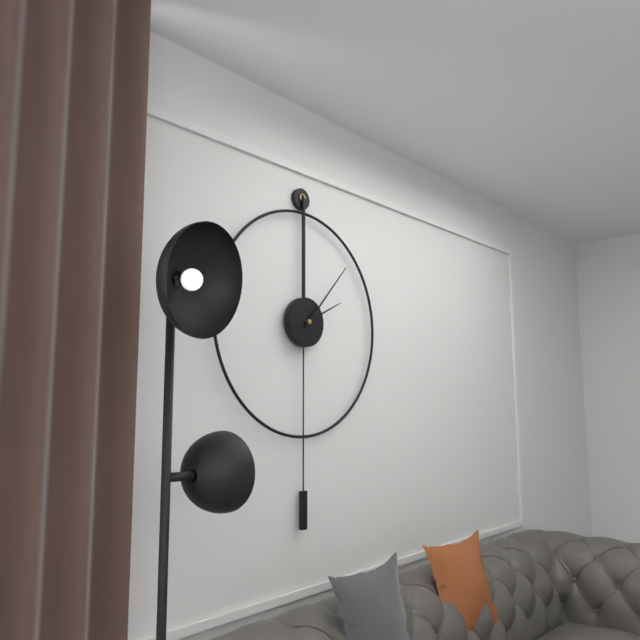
2.07
